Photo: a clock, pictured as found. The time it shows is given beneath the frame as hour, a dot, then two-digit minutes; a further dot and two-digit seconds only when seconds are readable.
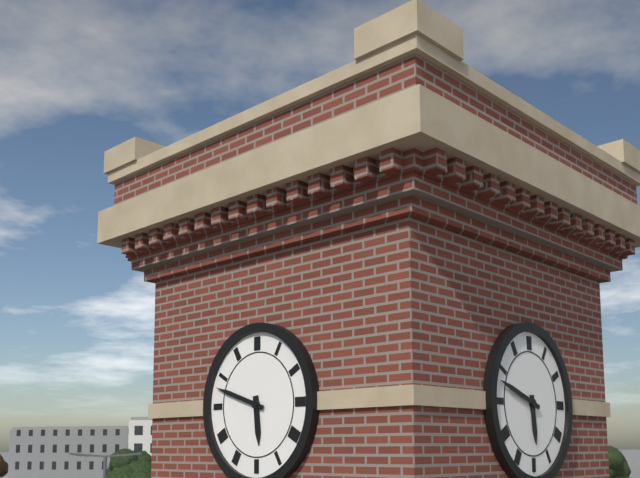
5.48
